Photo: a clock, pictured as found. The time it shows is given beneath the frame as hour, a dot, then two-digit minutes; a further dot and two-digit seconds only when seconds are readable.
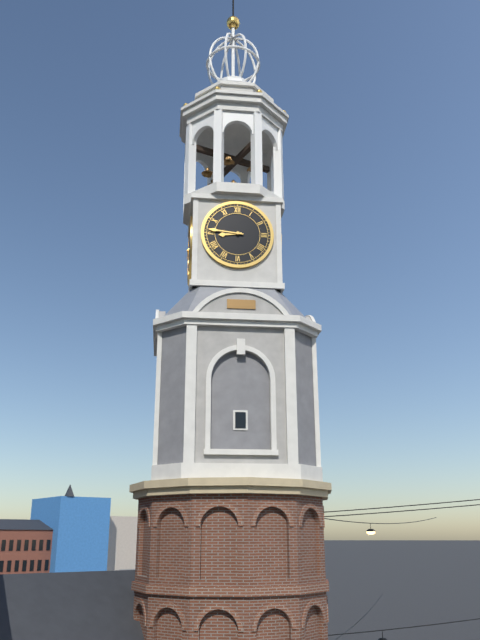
8.46
